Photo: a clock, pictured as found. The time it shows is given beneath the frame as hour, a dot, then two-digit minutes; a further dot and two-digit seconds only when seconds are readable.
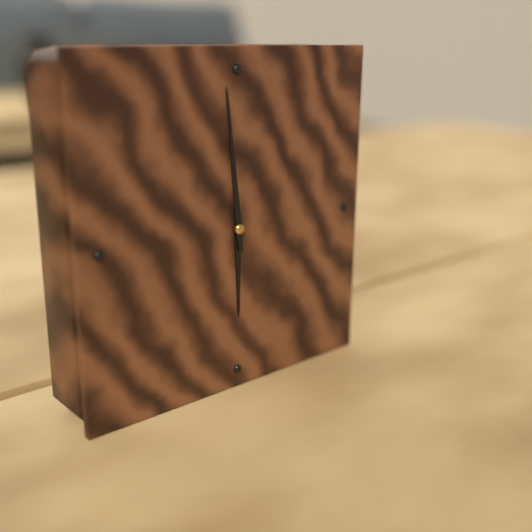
5.59
